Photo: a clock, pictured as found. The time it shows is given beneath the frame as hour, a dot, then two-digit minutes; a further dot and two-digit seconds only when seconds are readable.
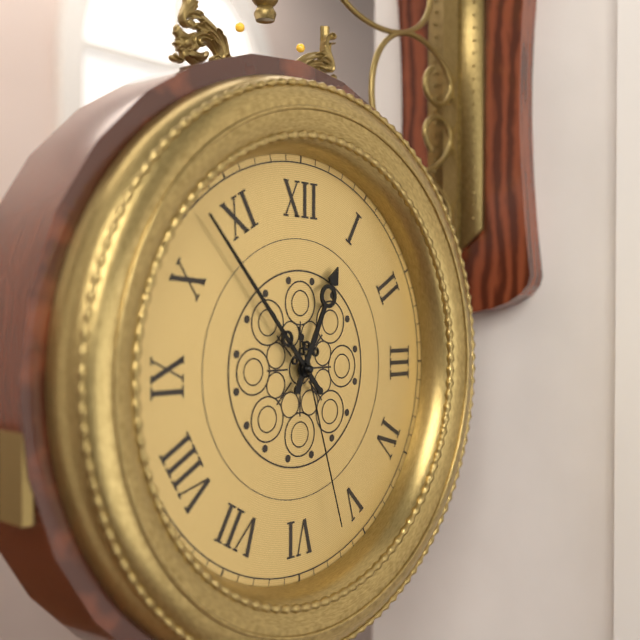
12.53.27
